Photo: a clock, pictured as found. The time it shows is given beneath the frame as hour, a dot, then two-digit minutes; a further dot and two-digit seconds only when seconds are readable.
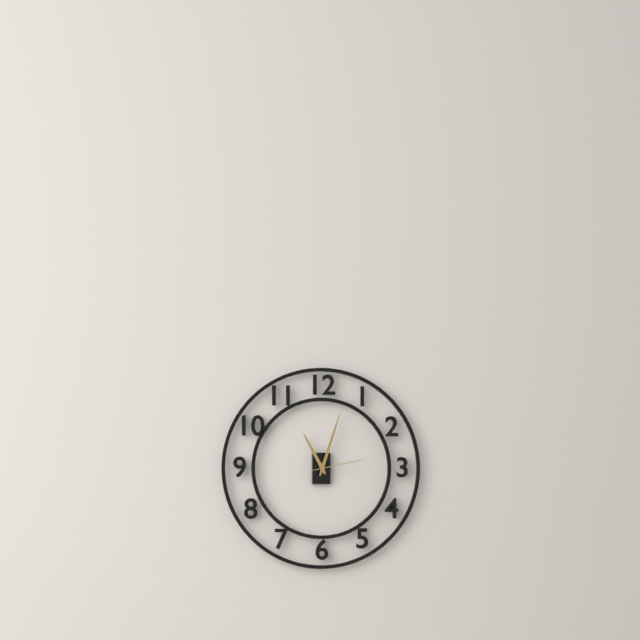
11.03.13
